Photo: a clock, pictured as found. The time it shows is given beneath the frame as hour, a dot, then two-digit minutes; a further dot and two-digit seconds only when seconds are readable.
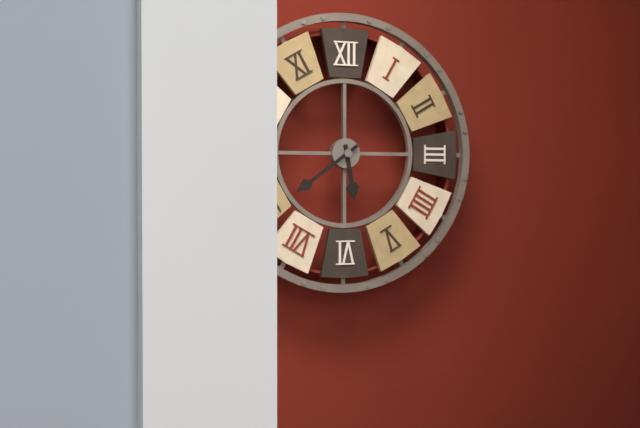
5.39
